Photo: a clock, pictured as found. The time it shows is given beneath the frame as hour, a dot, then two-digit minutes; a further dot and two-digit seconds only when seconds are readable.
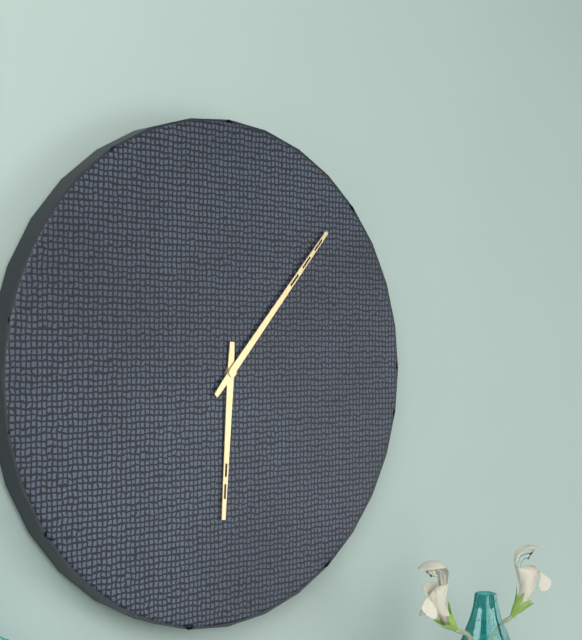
6.07
